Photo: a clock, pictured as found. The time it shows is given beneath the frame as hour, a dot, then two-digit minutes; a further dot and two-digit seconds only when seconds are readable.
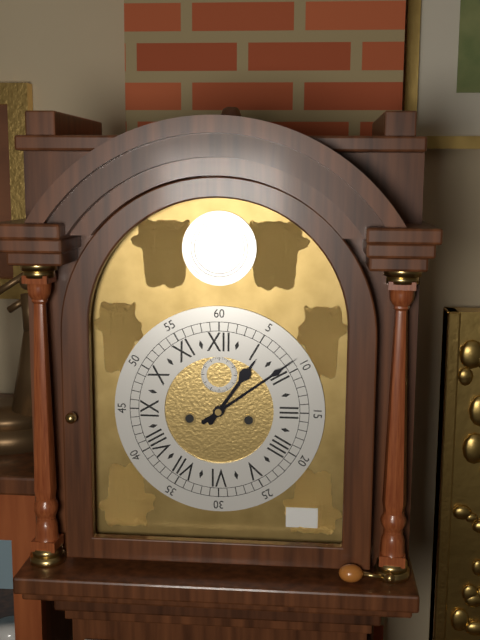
1.09
